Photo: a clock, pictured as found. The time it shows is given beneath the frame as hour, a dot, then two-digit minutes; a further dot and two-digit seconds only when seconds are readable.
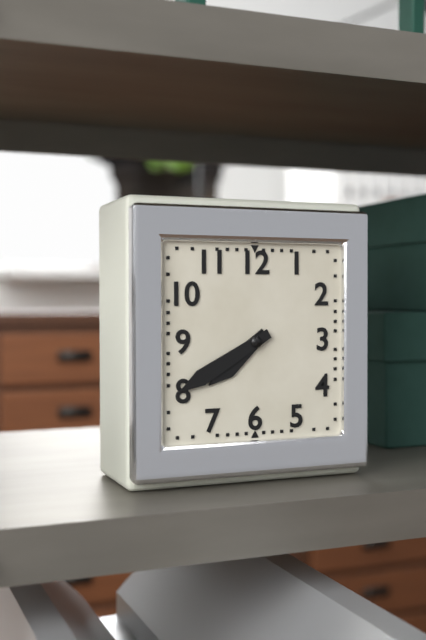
7.40
